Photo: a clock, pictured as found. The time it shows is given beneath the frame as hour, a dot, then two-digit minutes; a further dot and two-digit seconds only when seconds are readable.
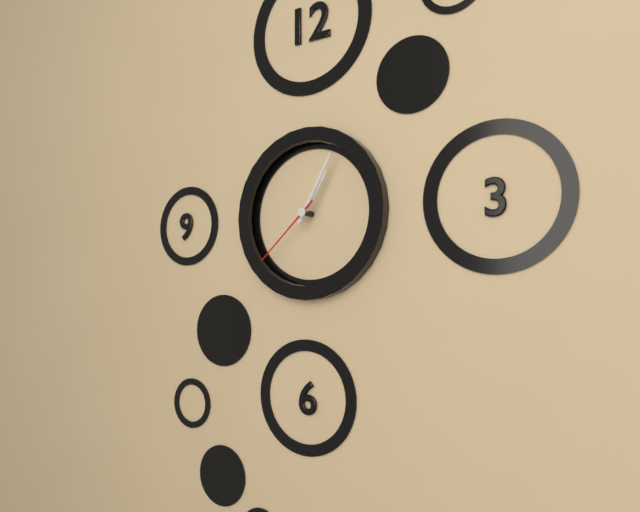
1.05.38
